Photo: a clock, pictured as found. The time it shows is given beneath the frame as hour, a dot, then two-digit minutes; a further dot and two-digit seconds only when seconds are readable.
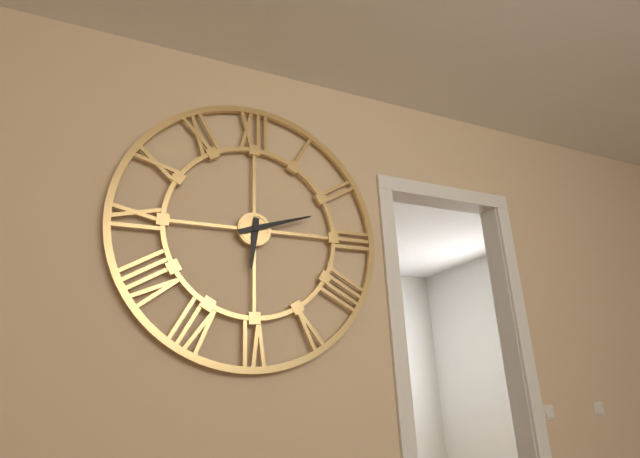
6.12
